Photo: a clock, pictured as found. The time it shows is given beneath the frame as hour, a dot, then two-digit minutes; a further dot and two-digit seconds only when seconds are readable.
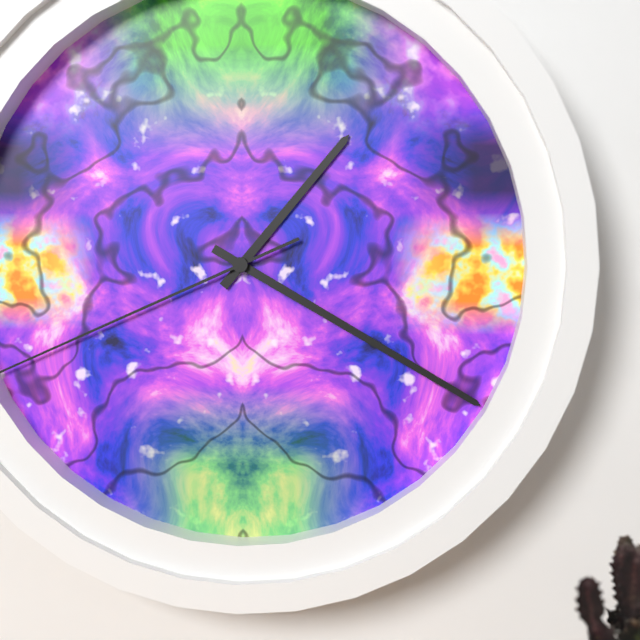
1.20
